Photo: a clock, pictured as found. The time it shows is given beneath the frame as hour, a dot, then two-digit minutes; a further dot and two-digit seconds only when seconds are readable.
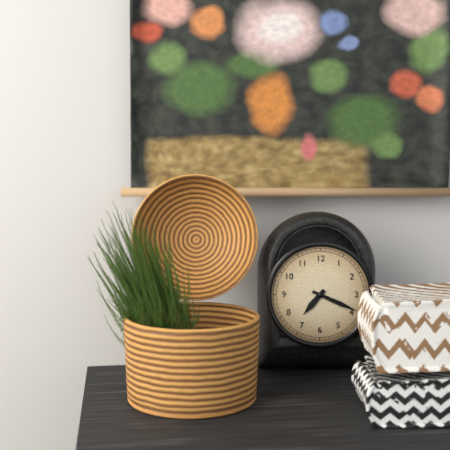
7.19
